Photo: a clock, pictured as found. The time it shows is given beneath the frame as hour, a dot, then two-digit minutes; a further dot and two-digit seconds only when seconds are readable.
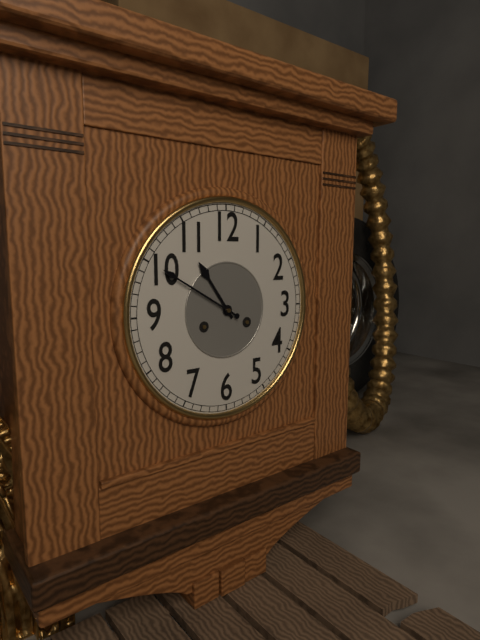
10.50
